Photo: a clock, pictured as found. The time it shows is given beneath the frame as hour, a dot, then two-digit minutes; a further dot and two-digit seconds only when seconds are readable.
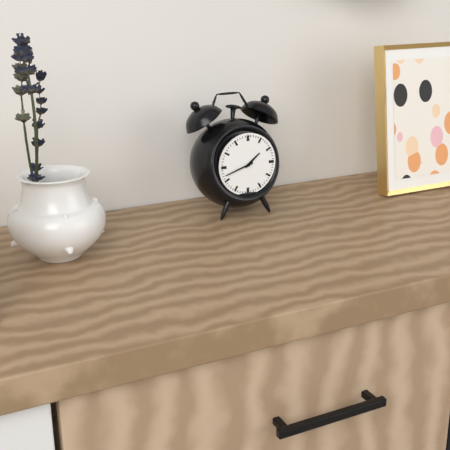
1.42
